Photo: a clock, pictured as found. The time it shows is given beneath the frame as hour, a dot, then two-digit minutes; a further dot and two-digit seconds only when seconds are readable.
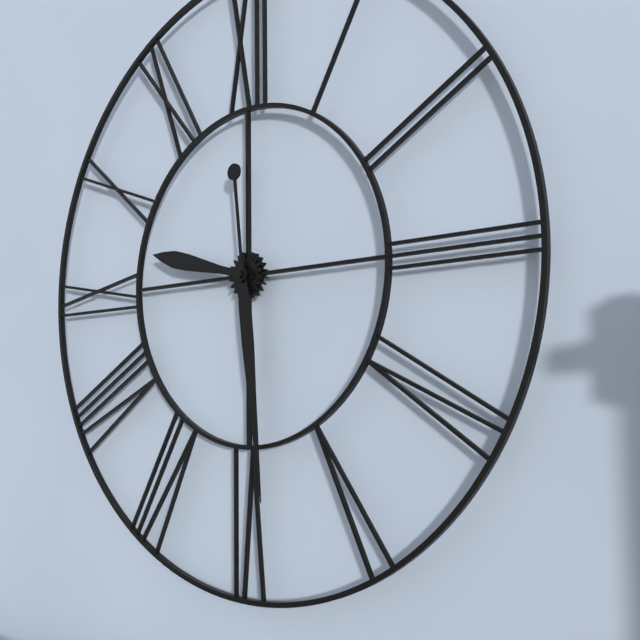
9.29
